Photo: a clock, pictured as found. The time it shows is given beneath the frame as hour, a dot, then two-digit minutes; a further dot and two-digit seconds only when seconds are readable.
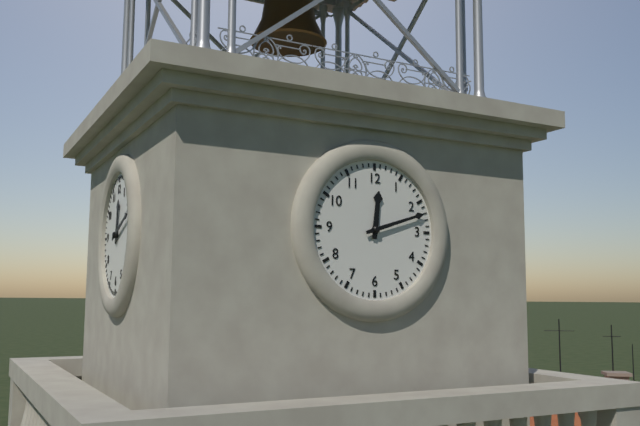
12.12
